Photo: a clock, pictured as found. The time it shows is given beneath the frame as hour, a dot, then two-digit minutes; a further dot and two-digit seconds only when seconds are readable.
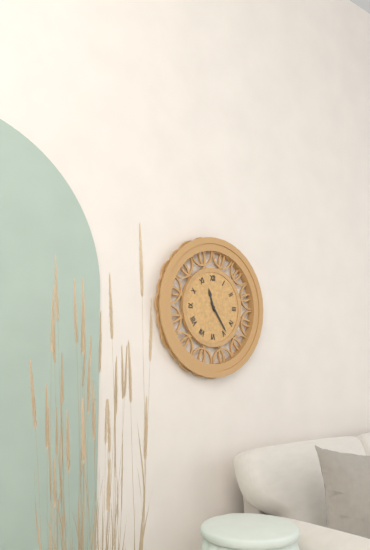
11.24
